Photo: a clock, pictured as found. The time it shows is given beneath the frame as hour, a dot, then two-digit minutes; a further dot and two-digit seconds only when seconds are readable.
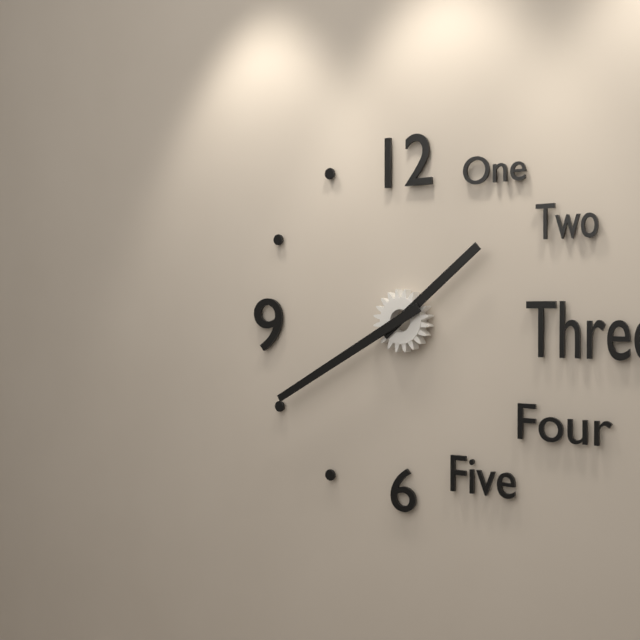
1.40
